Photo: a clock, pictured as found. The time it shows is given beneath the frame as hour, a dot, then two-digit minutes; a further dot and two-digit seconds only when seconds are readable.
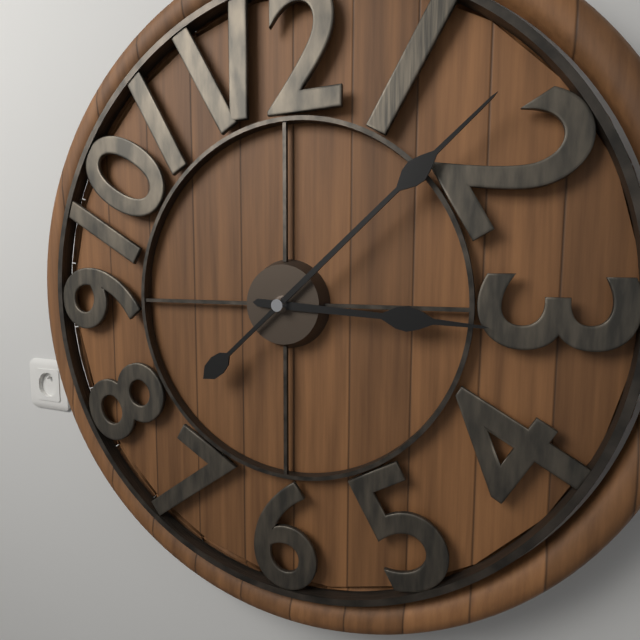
3.08
